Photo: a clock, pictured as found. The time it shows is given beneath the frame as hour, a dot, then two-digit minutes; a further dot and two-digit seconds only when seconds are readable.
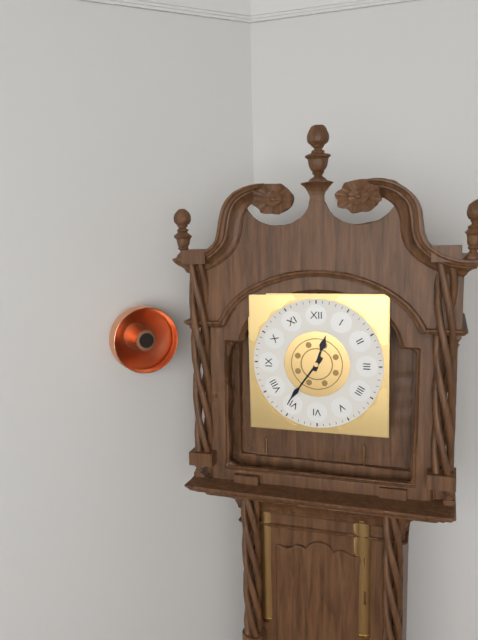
12.36
